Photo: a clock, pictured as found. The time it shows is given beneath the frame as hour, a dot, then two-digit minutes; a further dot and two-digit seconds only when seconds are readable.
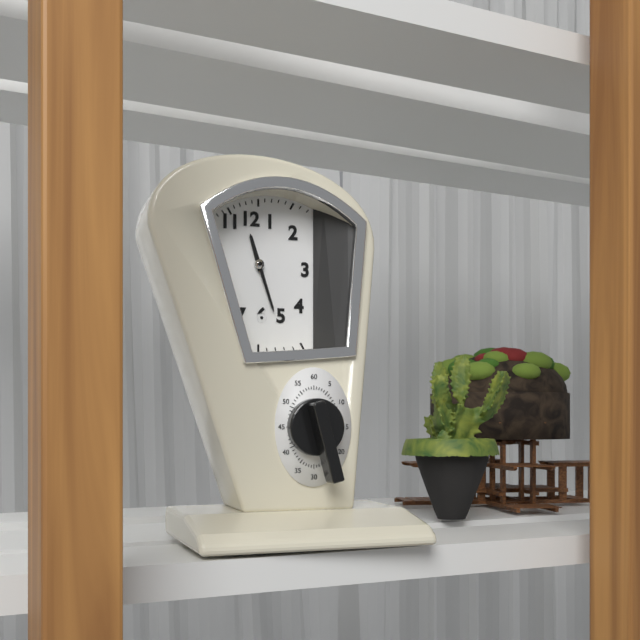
11.27
